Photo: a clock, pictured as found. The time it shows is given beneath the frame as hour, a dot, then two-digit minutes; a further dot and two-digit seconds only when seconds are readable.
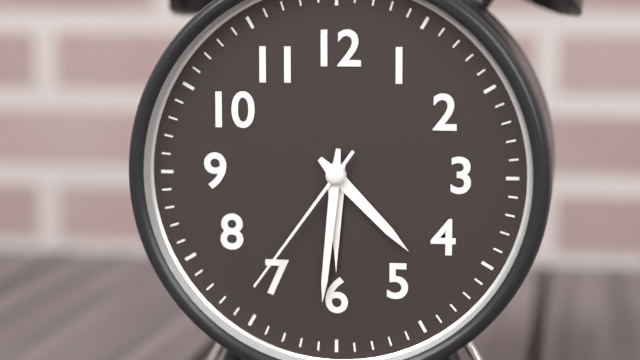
4.31.36
